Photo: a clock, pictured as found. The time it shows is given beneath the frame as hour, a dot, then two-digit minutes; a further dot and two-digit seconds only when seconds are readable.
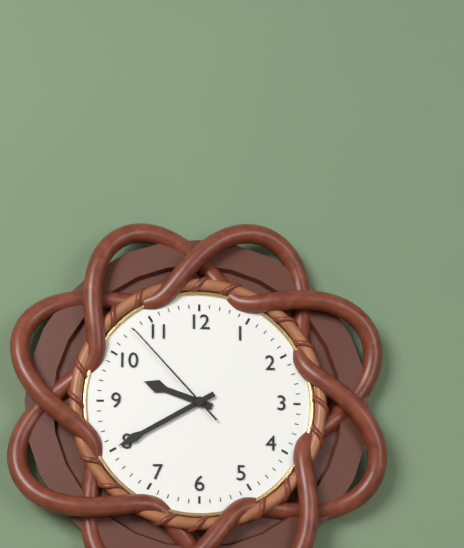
9.40.53
